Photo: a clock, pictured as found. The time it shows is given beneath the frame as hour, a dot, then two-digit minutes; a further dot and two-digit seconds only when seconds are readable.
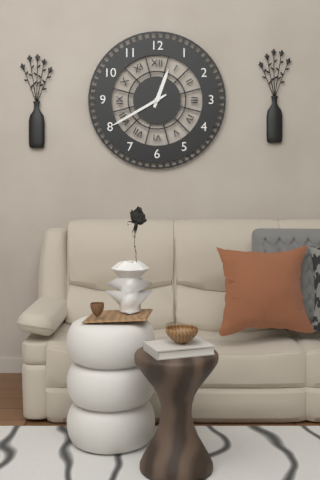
12.40
